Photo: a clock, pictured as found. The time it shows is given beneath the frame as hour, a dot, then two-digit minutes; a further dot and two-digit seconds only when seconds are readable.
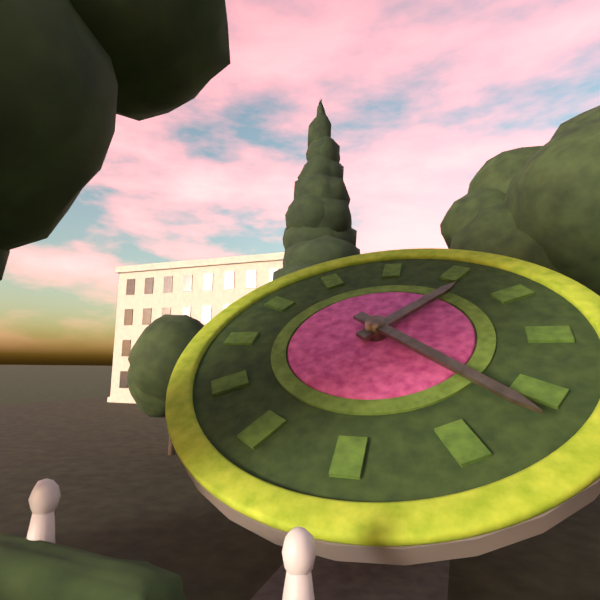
1.22
